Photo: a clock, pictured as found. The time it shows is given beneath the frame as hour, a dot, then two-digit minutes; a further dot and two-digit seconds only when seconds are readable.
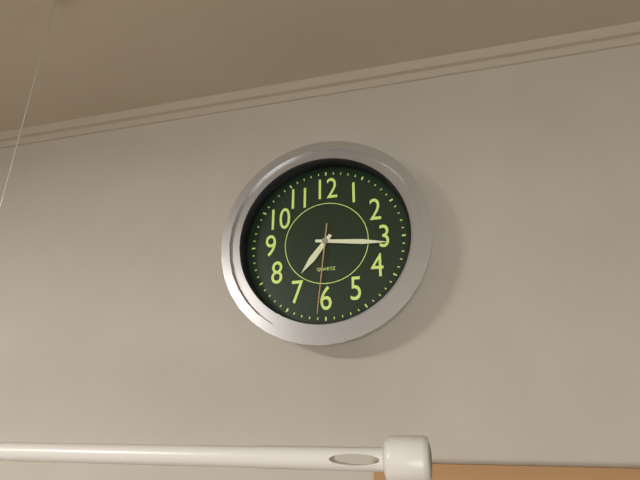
7.16.31
